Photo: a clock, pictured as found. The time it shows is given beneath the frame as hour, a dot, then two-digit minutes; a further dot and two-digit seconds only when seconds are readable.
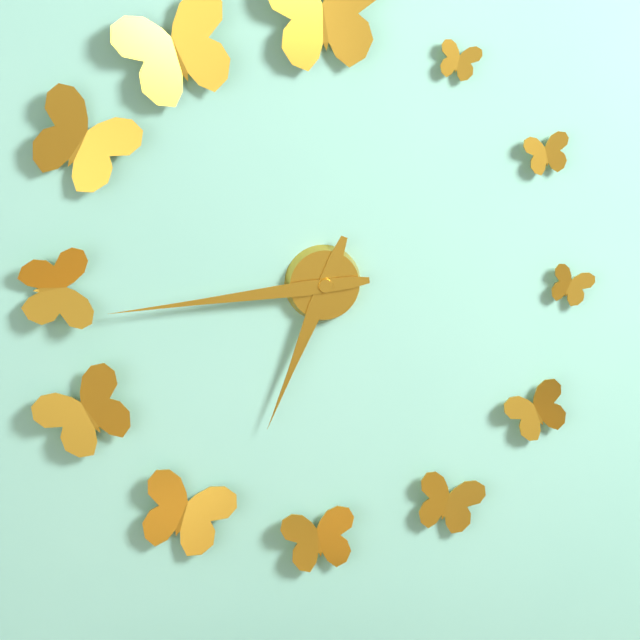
6.44
